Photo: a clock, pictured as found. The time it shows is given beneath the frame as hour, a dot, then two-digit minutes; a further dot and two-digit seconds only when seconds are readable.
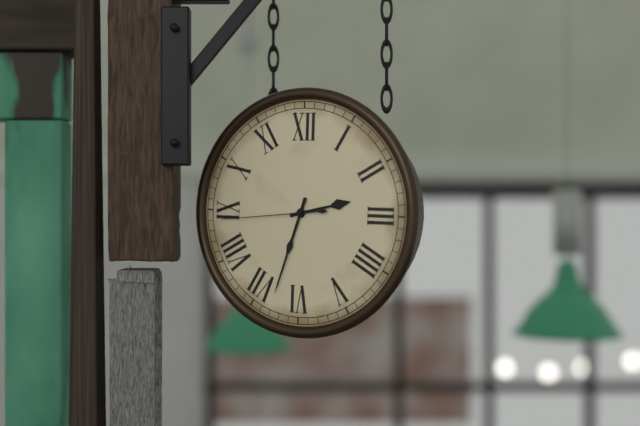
2.33.44
